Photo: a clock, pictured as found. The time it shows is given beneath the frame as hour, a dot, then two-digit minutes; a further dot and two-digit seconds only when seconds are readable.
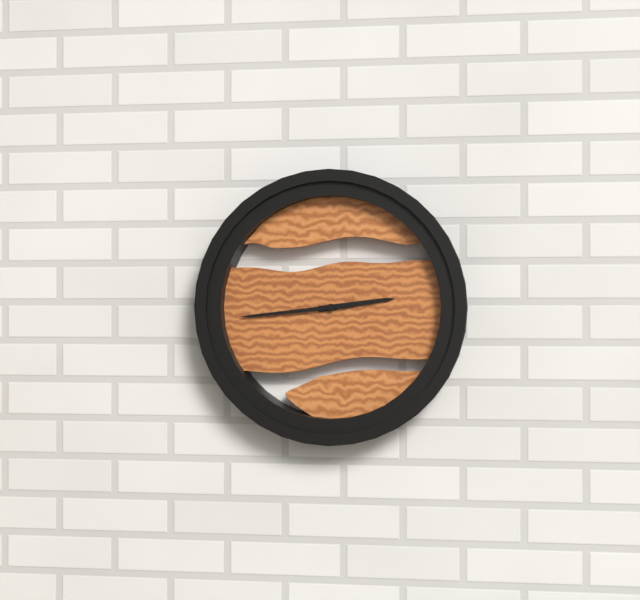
2.44
